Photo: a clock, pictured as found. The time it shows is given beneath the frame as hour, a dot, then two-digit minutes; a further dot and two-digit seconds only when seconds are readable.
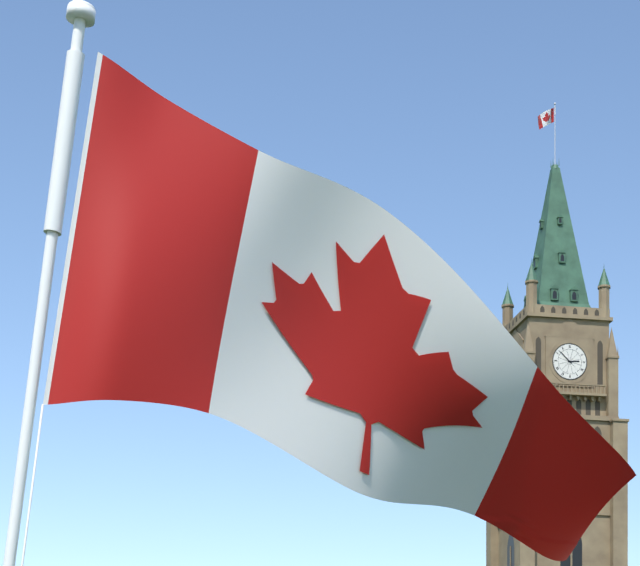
2.52
